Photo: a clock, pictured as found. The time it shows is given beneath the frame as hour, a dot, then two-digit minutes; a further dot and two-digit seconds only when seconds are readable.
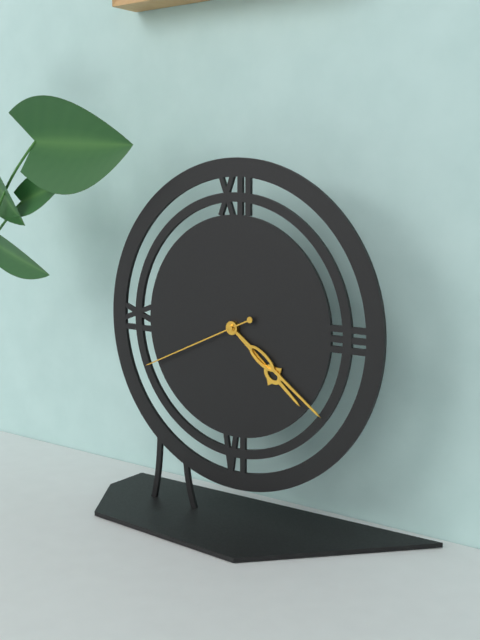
4.21.41
